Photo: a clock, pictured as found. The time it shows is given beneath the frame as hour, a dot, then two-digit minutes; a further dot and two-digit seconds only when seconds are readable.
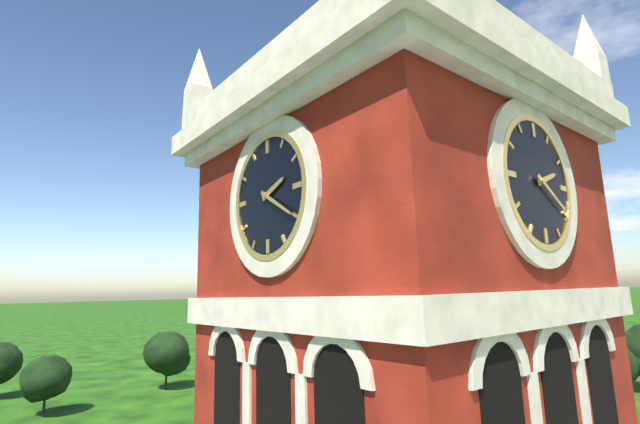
2.20
